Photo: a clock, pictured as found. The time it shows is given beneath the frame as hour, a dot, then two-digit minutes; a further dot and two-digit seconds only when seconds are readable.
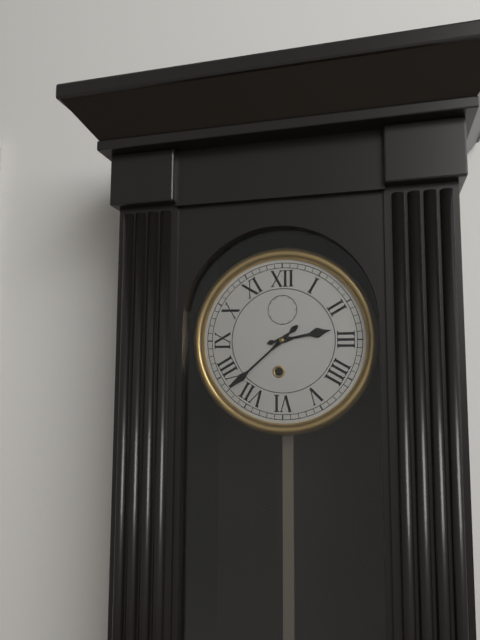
2.38
